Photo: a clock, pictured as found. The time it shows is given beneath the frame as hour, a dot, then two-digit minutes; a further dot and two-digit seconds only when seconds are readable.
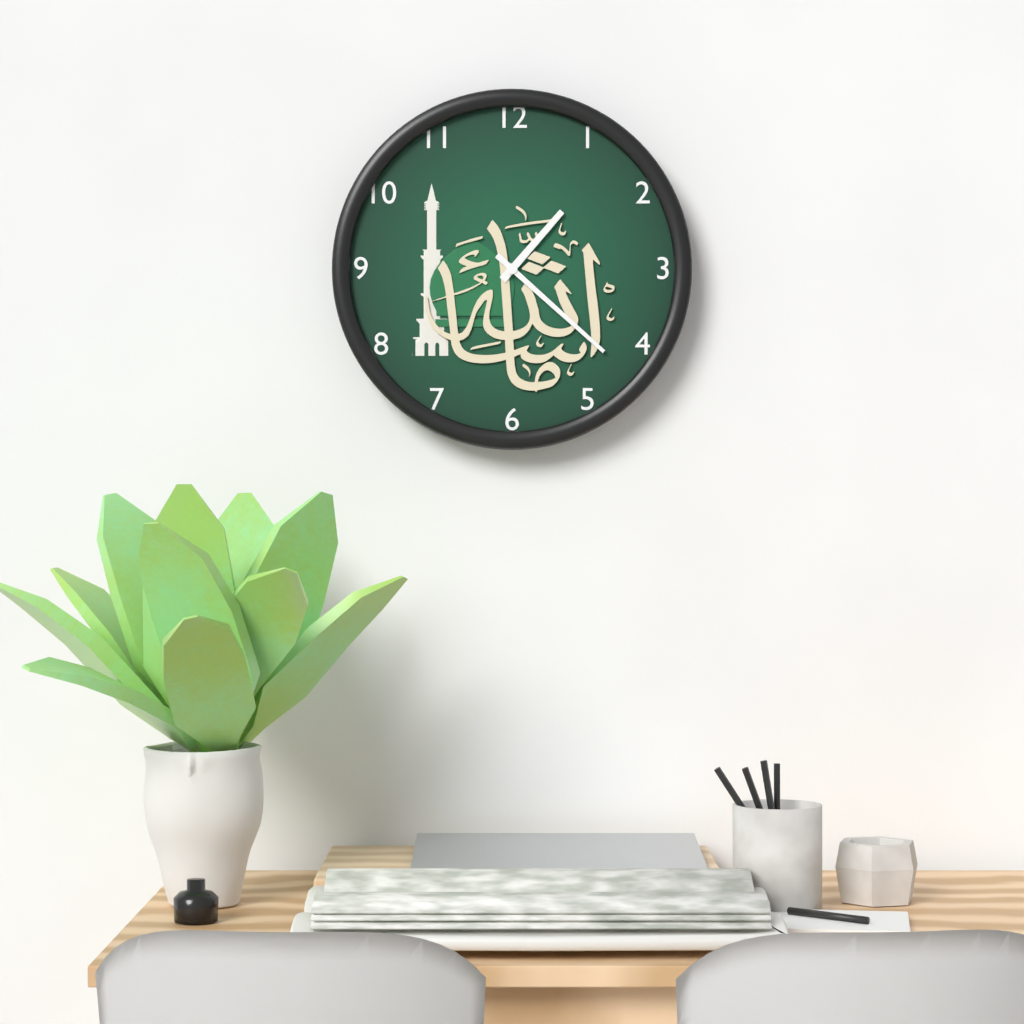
1.22
